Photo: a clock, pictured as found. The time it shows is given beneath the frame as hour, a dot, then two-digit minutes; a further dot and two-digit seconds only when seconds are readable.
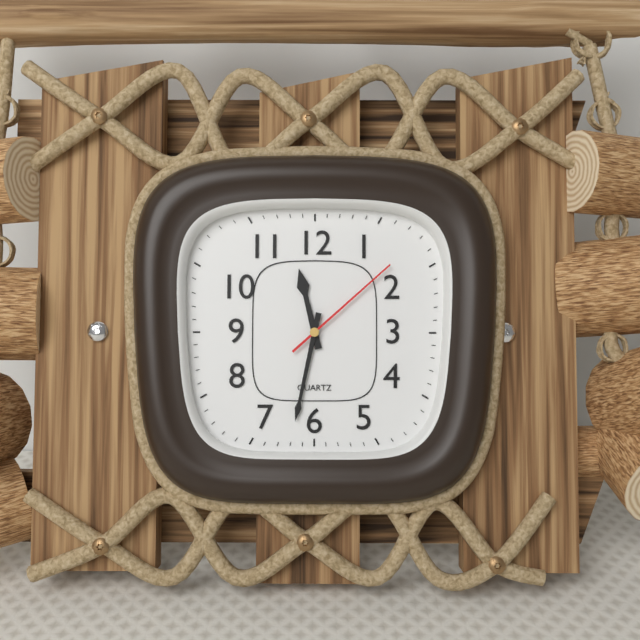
11.32.08
